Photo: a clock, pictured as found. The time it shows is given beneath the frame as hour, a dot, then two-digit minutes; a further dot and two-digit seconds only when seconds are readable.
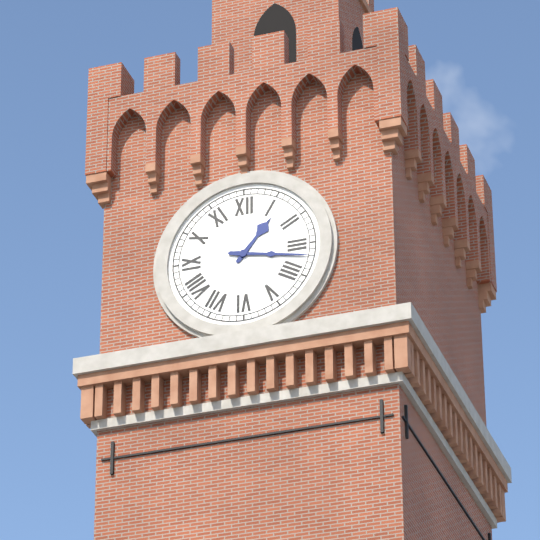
1.17
